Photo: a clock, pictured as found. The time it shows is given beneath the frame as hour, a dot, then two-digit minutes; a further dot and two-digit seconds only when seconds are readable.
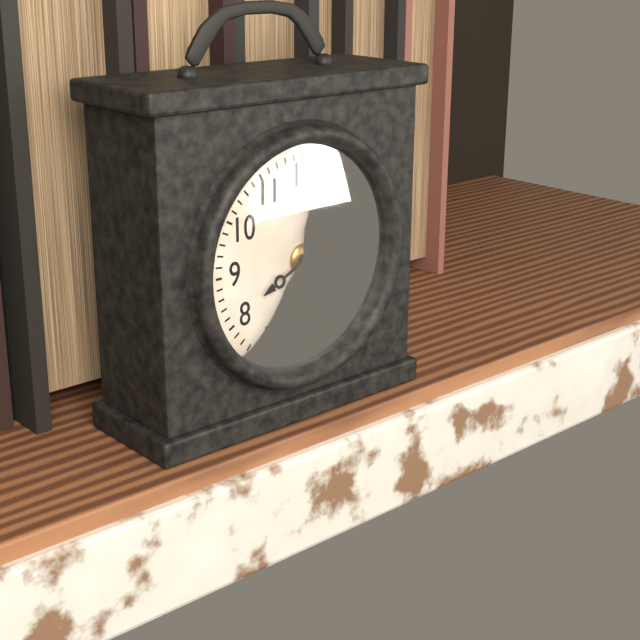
8.07
